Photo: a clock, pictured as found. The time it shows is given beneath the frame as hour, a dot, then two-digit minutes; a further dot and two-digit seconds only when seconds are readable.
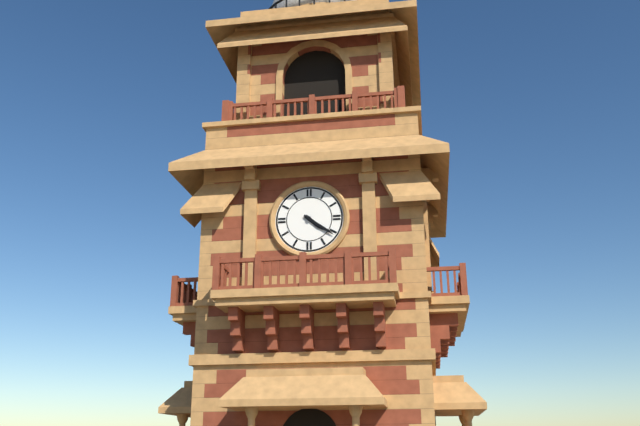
4.21
